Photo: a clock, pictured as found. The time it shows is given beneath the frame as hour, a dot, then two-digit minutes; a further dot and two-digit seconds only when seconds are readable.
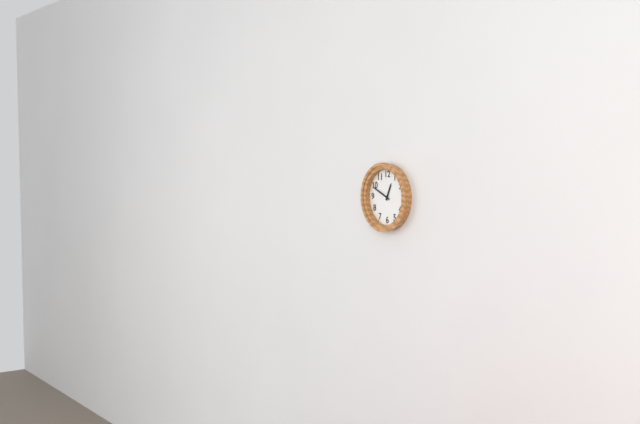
12.49
